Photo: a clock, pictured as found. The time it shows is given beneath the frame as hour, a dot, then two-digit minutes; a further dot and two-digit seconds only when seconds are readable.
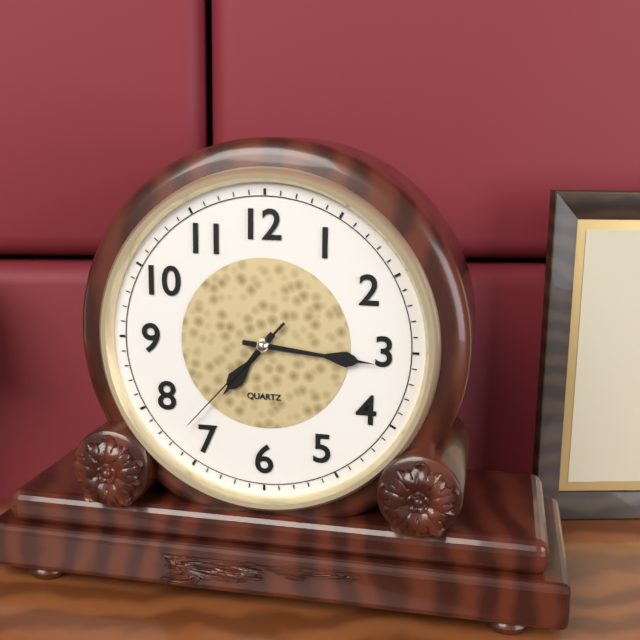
7.16.37
